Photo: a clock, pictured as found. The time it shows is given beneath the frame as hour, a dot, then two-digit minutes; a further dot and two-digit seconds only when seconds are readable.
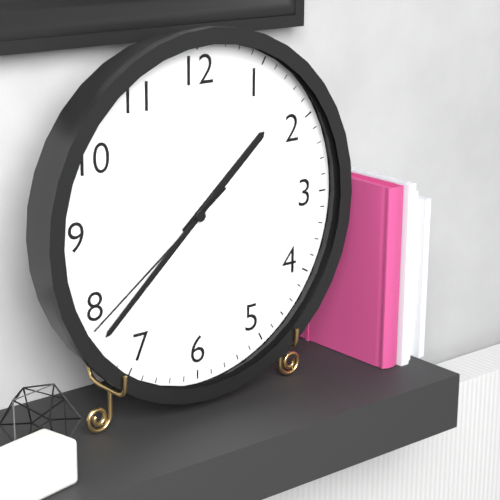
1.38.39
